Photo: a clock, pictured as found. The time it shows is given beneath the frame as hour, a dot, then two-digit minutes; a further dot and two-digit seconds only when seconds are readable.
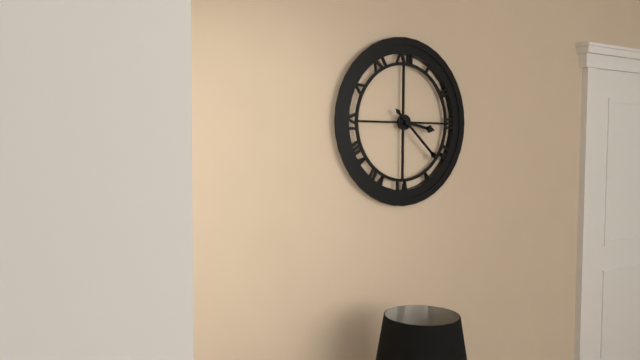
3.22
